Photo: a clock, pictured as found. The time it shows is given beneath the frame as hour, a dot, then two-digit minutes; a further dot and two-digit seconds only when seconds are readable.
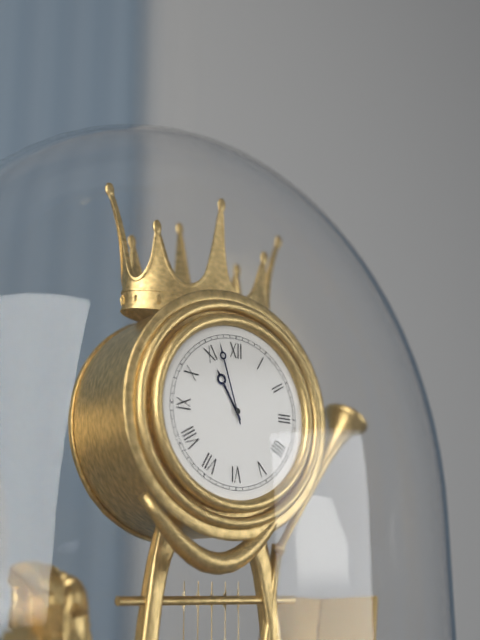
10.57
